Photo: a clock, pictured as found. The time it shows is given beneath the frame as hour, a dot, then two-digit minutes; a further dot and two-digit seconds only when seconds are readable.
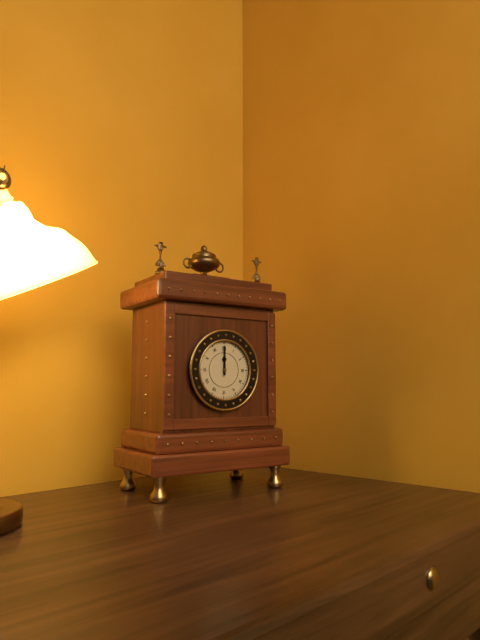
12.00
